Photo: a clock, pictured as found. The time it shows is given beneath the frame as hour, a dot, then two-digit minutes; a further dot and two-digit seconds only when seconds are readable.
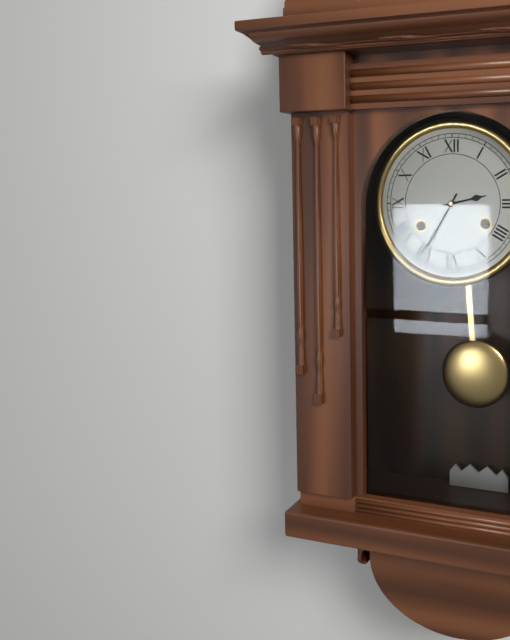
2.35
